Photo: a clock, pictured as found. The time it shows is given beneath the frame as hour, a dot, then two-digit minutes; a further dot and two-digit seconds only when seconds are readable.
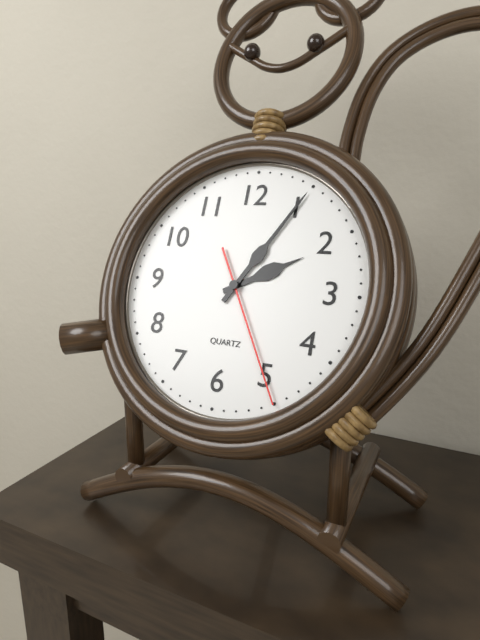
2.05.25
